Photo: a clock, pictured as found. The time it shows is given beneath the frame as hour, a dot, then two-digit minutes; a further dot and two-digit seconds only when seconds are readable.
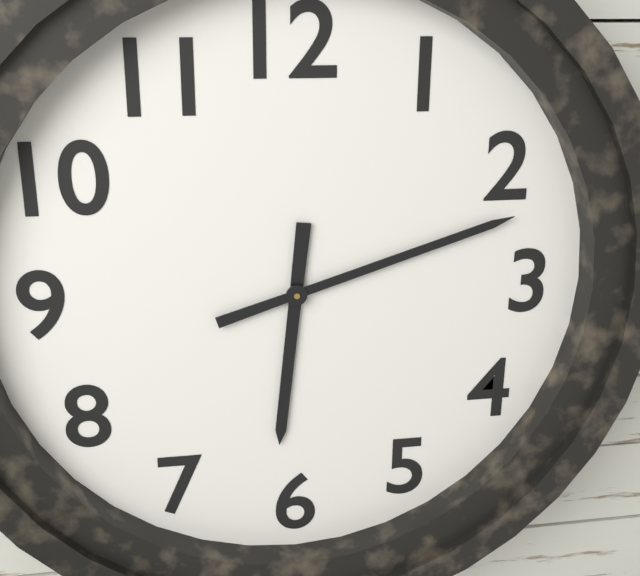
6.12
